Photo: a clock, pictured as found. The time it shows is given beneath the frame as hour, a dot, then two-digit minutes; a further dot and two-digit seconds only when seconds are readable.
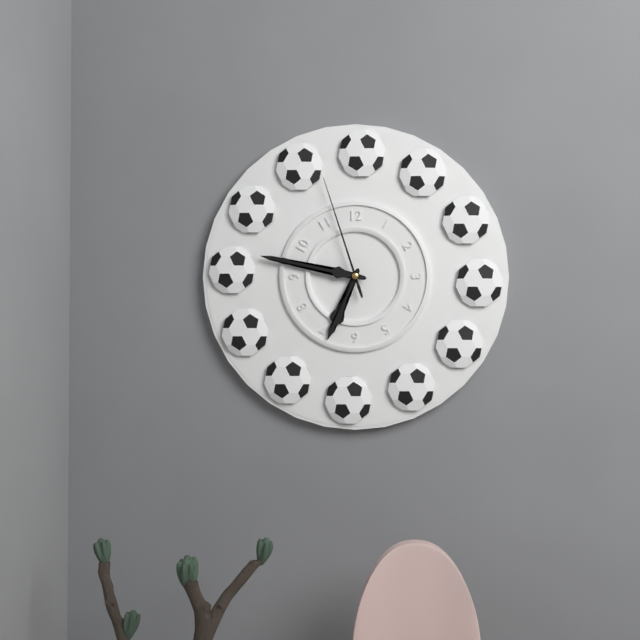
6.47.57
